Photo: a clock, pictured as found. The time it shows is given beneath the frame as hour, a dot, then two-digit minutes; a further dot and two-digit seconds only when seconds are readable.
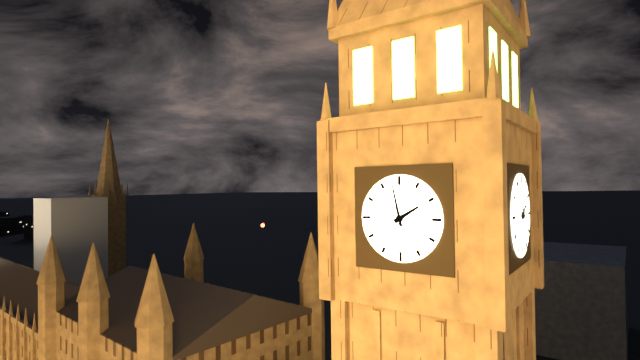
1.58
